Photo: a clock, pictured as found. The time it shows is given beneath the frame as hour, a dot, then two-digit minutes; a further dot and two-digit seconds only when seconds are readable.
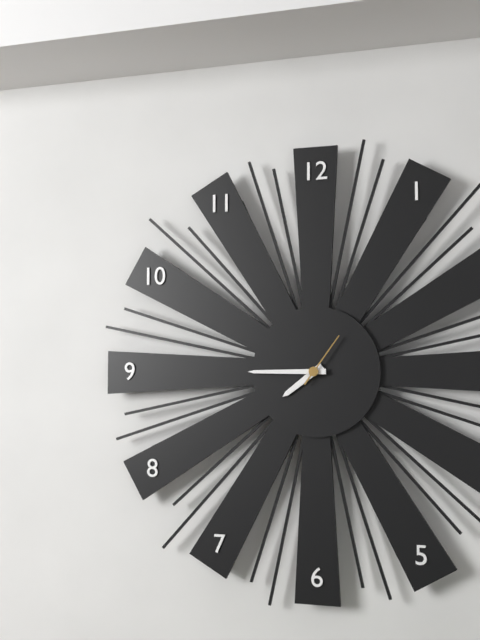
7.45.06
